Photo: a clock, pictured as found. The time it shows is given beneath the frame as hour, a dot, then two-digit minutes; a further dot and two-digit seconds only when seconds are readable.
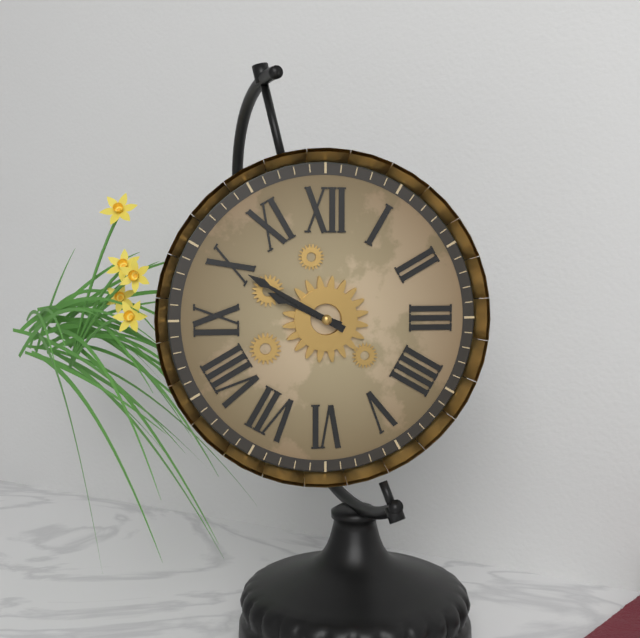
9.50
